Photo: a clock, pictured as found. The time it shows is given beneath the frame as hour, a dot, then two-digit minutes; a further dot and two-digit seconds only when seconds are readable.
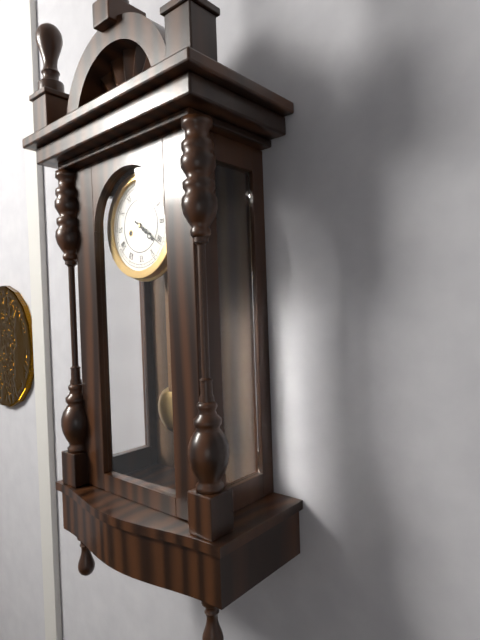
4.21
